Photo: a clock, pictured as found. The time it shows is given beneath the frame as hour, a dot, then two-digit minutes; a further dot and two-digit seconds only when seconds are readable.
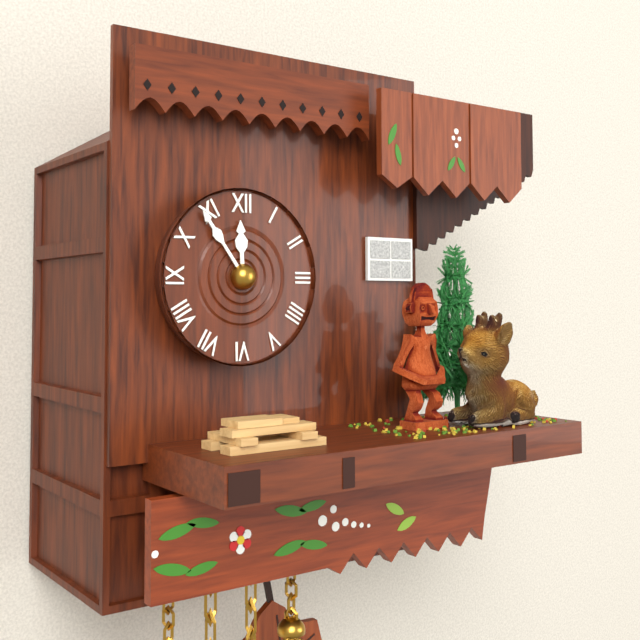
11.54
